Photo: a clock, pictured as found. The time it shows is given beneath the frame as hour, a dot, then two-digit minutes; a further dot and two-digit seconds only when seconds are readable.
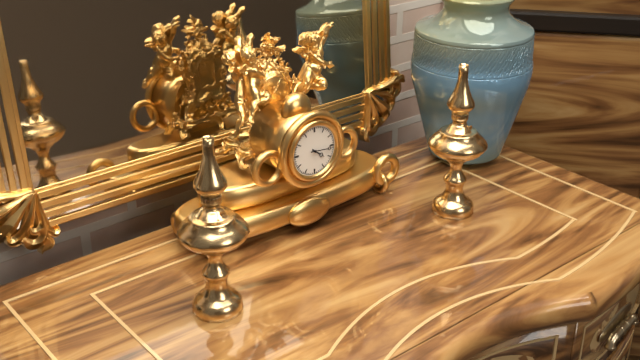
4.16
